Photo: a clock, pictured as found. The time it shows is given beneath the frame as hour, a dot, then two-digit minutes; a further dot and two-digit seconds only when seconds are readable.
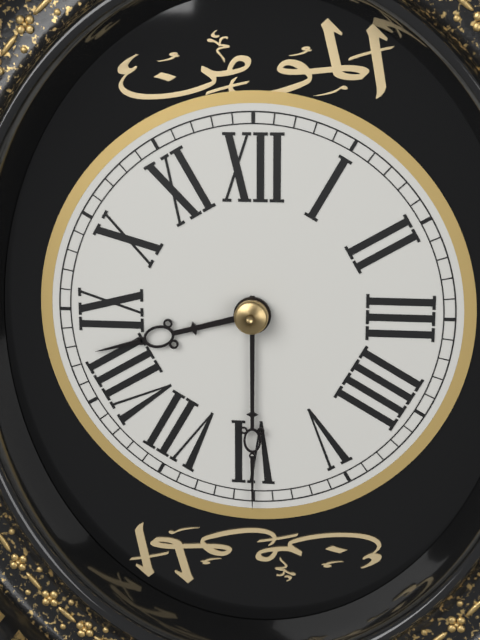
8.30
